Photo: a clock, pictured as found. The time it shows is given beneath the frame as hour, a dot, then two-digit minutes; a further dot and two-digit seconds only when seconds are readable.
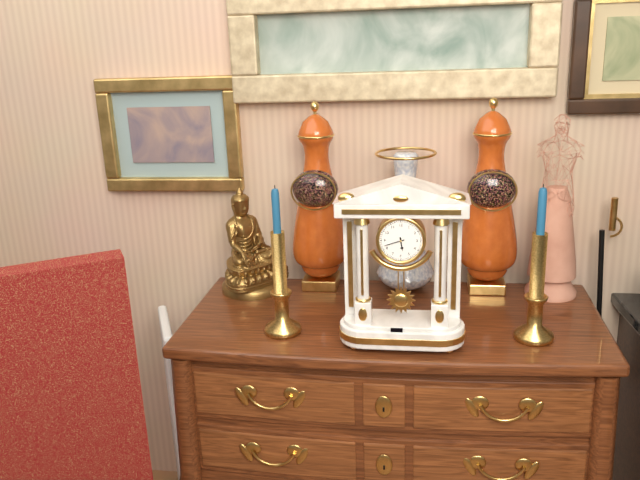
5.42
